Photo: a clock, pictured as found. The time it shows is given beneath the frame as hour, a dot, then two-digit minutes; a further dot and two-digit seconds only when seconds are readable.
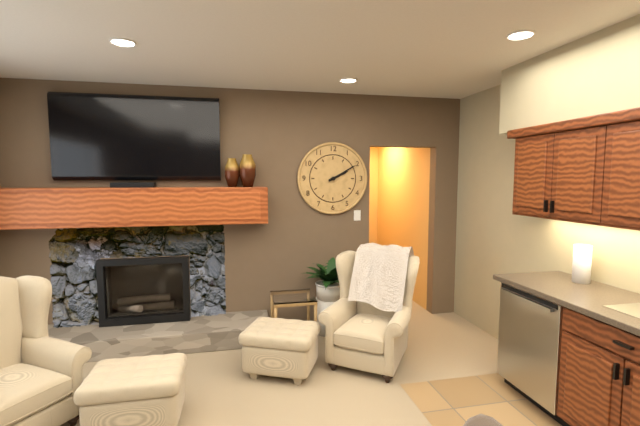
2.10
